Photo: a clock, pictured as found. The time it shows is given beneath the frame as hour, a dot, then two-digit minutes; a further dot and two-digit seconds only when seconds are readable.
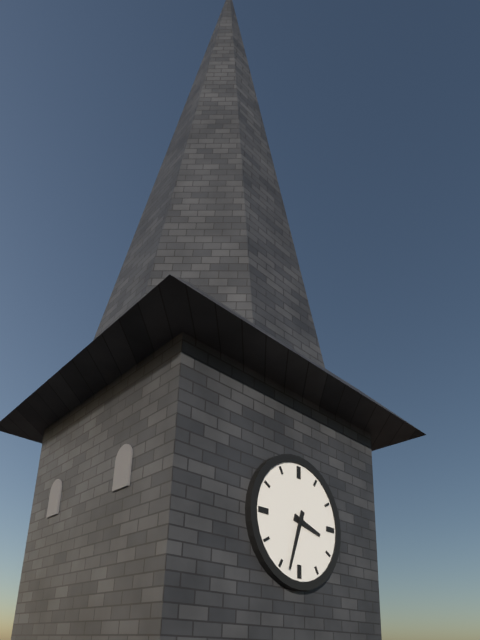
3.33
